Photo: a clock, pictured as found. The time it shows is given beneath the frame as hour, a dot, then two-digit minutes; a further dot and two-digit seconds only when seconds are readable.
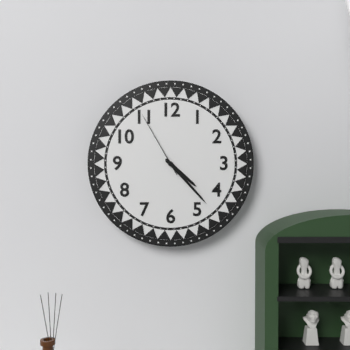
4.23.55
